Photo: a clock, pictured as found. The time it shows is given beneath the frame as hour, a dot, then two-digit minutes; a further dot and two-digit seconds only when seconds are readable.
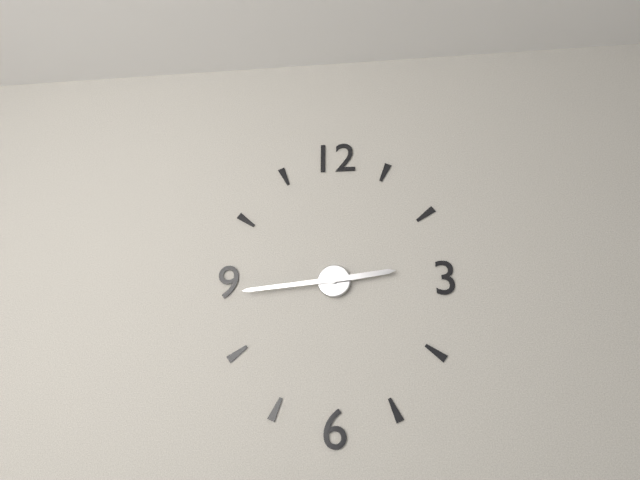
2.44
